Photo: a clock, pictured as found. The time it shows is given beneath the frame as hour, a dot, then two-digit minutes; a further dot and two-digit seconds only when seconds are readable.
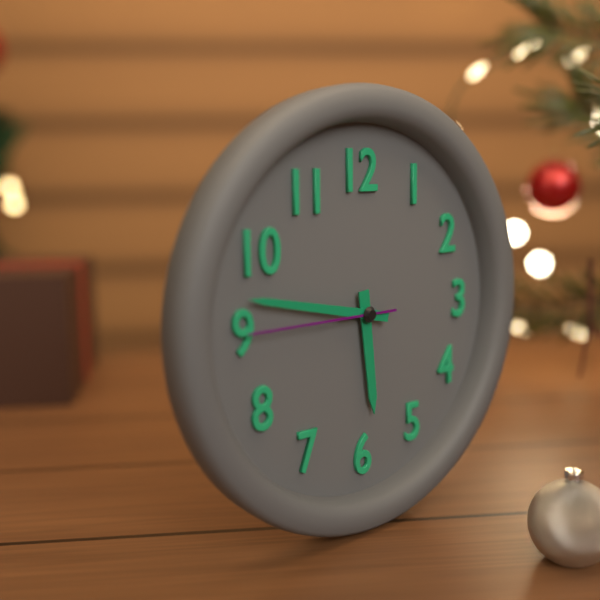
5.47.45
